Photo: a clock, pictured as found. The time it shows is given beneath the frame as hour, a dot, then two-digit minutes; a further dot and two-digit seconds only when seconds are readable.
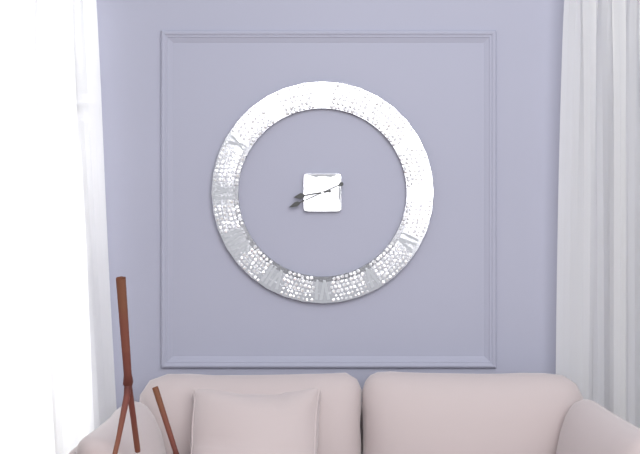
8.41
